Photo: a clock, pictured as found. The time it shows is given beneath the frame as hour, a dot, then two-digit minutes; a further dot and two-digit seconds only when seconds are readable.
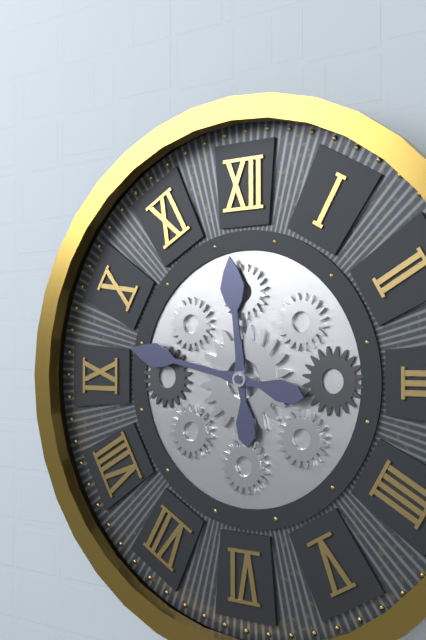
11.47
